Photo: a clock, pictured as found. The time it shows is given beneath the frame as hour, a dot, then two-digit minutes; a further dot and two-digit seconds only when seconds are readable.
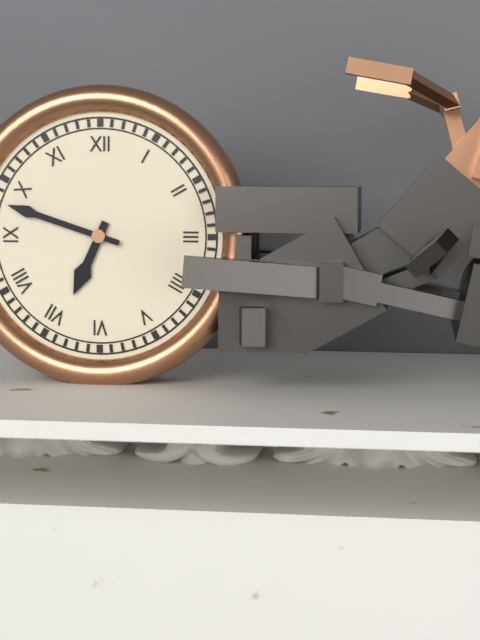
6.48
